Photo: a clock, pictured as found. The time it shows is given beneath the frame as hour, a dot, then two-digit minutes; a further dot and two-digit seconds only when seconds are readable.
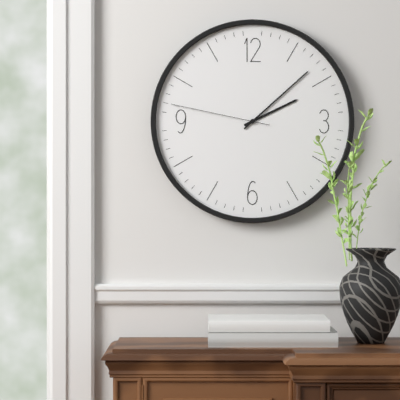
2.08.47
